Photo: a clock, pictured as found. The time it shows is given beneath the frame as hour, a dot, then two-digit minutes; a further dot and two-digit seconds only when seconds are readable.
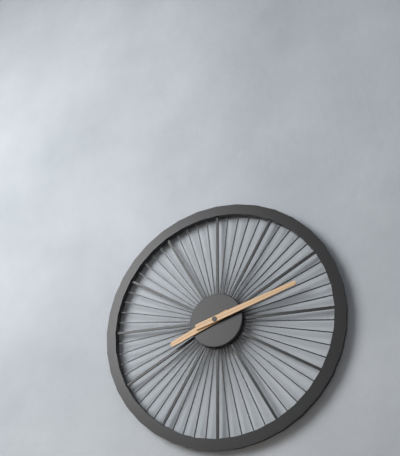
8.12
